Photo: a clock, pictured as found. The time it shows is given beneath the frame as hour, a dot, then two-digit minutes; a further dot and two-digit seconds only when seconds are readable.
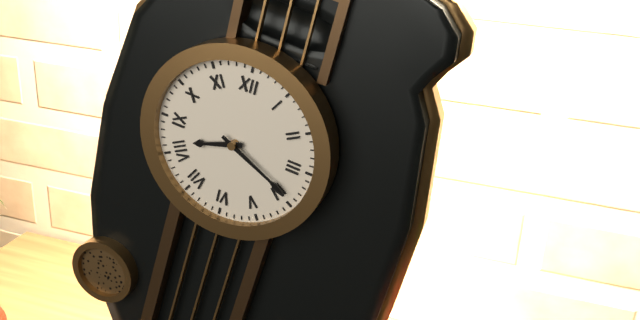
8.19
